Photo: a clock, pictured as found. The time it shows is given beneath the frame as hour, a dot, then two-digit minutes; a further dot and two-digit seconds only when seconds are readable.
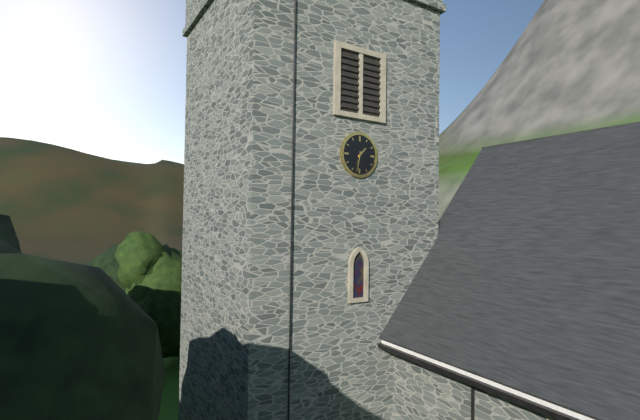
1.32
